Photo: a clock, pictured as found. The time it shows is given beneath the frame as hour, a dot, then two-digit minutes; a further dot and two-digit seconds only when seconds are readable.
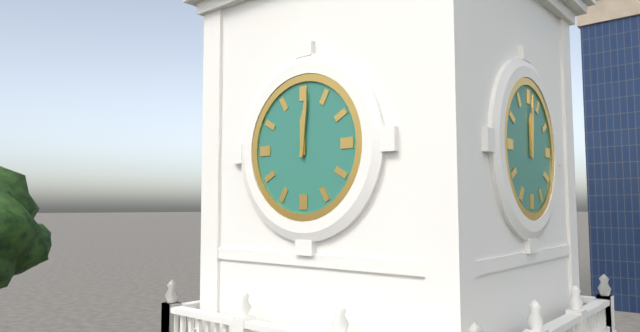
12.01
